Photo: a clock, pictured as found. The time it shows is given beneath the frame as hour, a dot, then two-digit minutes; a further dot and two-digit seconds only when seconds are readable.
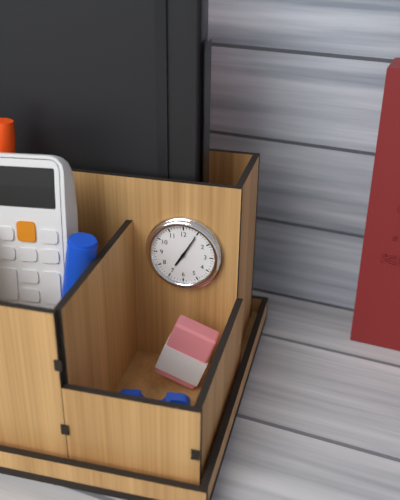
7.05
